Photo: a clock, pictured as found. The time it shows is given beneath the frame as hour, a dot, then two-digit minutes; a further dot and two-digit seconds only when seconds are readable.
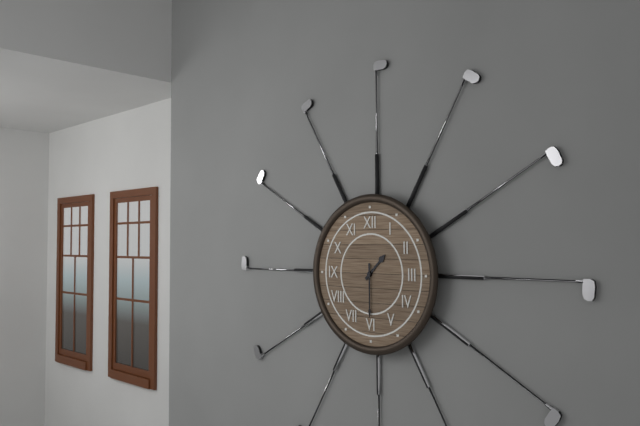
1.30
